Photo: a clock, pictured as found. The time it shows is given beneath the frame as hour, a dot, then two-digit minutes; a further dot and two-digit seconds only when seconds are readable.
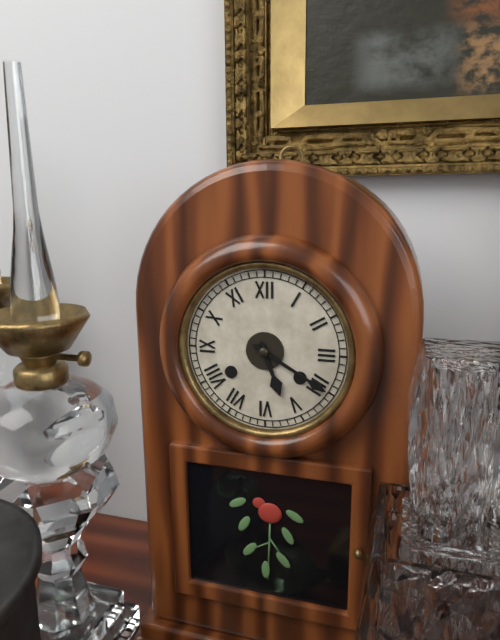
5.20
